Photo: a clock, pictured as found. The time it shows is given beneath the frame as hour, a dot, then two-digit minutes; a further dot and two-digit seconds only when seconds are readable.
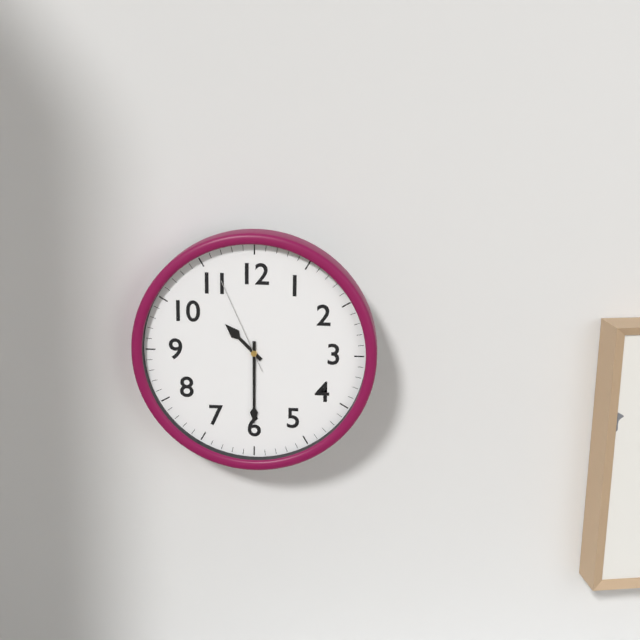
10.30.56
